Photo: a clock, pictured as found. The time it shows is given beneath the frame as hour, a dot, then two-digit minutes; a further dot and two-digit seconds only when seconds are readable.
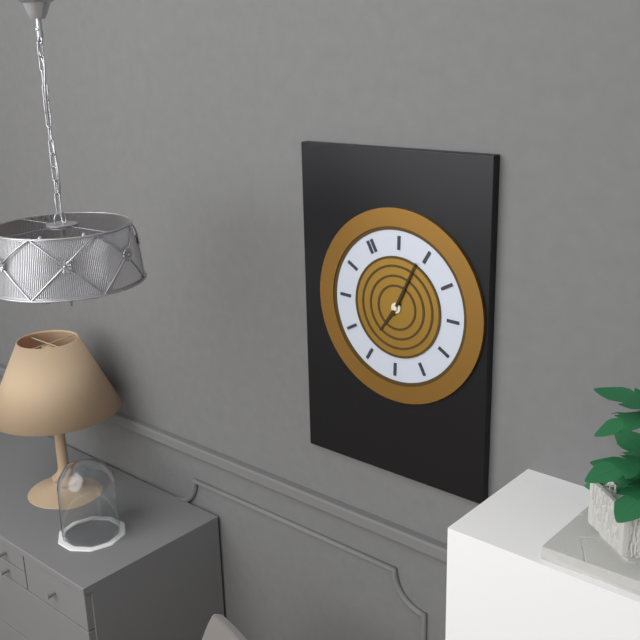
8.09
